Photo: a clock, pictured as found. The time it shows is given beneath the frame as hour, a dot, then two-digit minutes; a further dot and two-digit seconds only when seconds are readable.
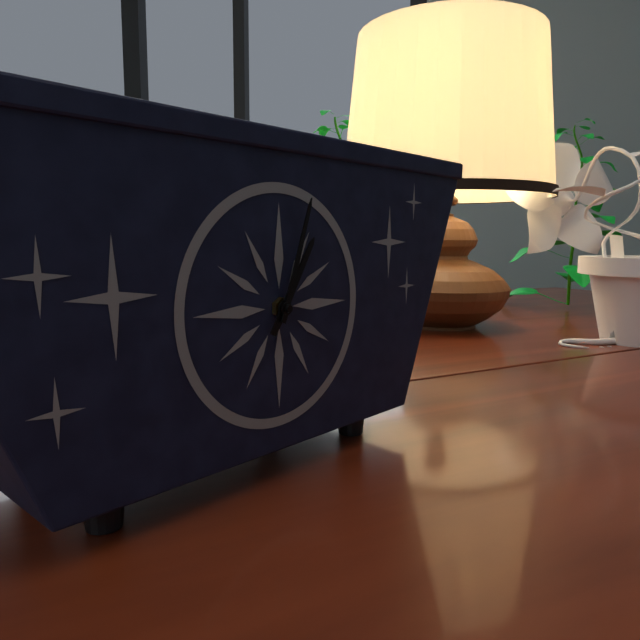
1.03
